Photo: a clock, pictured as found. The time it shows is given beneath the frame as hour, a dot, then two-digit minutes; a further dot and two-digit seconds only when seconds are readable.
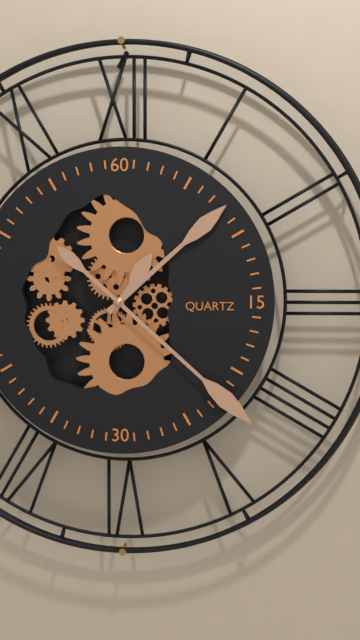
1.08.22
